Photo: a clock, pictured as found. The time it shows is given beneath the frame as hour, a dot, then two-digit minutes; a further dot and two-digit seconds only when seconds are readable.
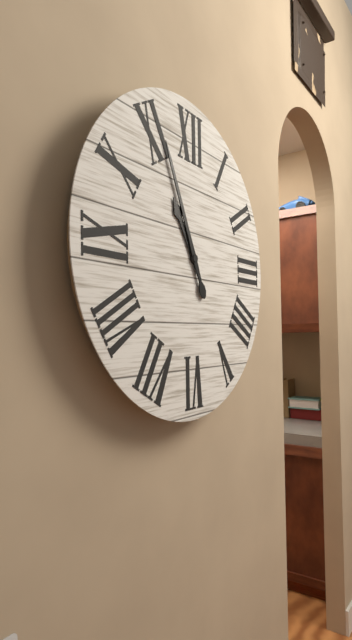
10.56
